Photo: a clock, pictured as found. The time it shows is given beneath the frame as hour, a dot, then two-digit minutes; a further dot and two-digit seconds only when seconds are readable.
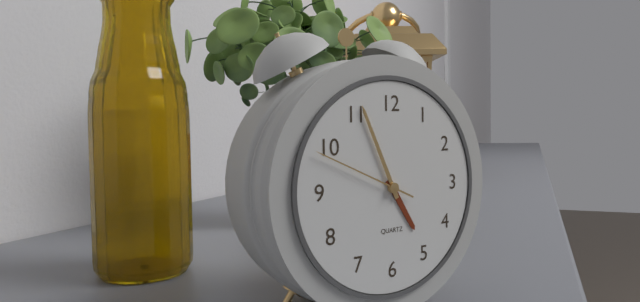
4.56.49
